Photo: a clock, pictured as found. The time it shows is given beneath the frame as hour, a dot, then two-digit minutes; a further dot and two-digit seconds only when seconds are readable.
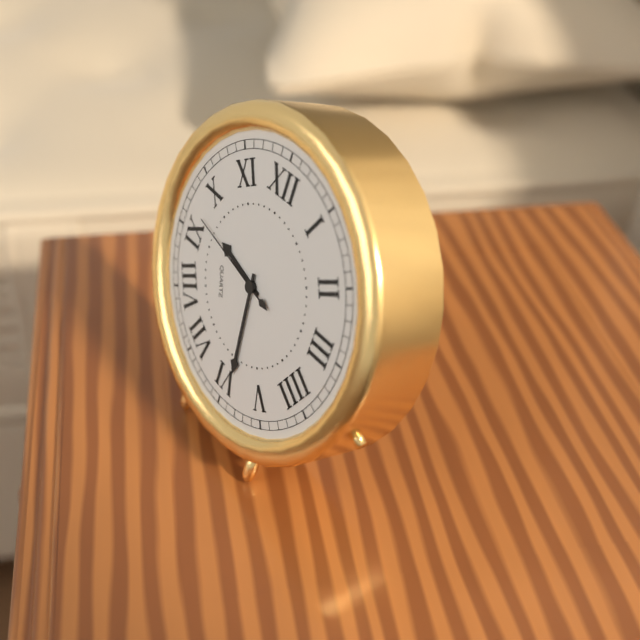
9.29.47
